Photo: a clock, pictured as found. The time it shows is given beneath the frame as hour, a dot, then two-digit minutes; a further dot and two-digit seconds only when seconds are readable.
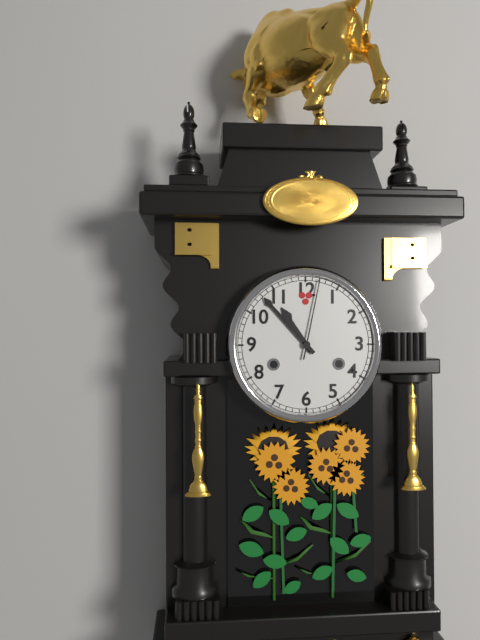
10.53.02
